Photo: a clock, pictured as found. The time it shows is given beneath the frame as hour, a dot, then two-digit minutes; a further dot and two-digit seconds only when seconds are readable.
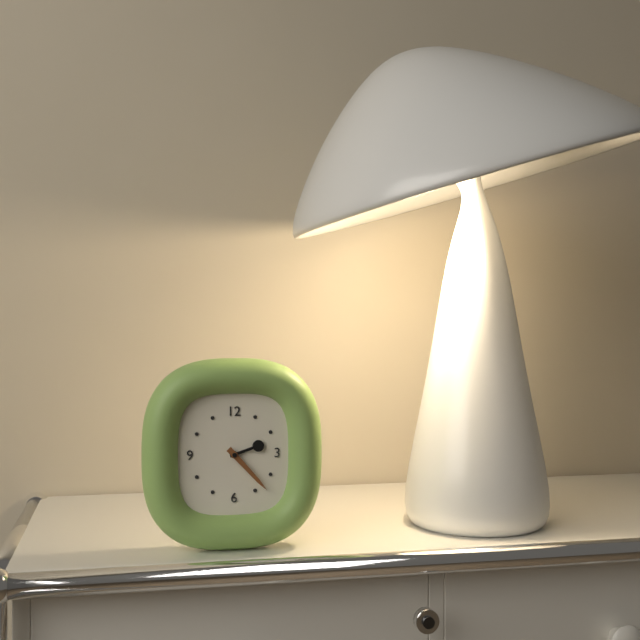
2.23
